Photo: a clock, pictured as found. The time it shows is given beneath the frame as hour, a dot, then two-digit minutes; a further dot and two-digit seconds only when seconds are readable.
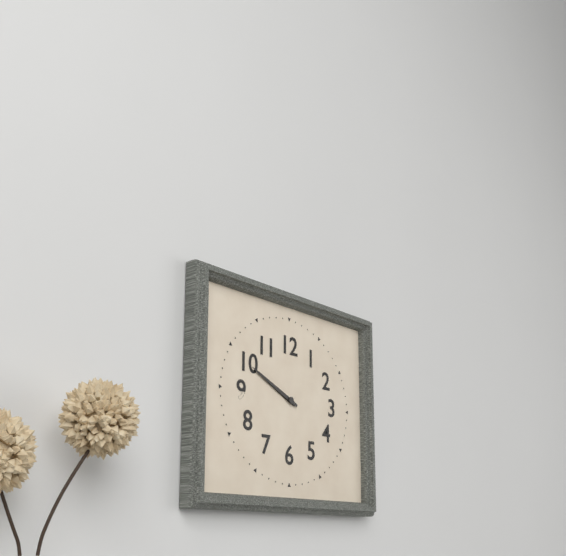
9.49
